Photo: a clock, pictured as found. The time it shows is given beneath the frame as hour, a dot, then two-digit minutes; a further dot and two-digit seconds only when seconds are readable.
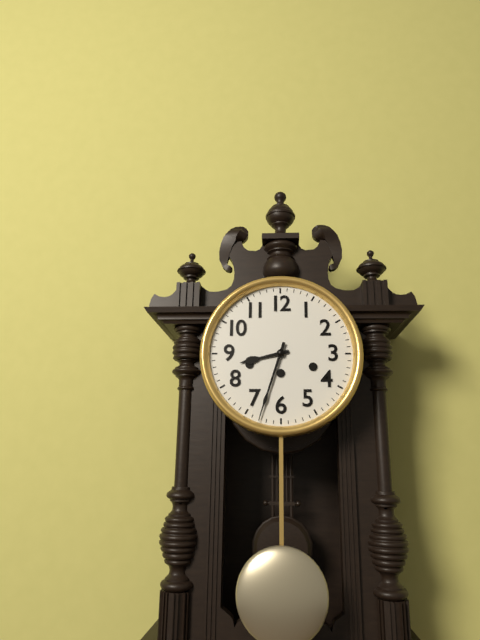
8.33
